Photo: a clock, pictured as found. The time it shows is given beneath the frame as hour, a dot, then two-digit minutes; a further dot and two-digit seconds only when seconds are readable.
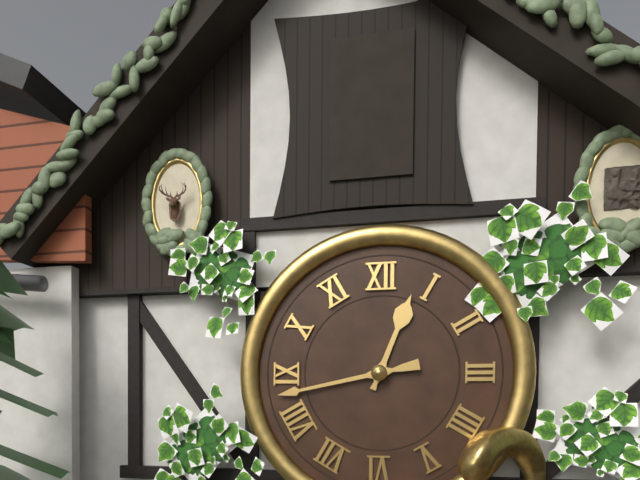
12.43
